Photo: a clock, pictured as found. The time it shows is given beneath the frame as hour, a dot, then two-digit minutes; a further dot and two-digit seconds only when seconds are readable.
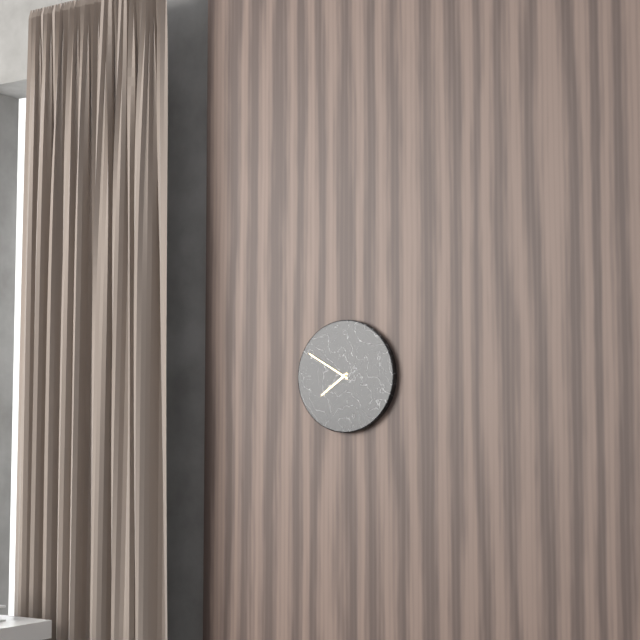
7.50
